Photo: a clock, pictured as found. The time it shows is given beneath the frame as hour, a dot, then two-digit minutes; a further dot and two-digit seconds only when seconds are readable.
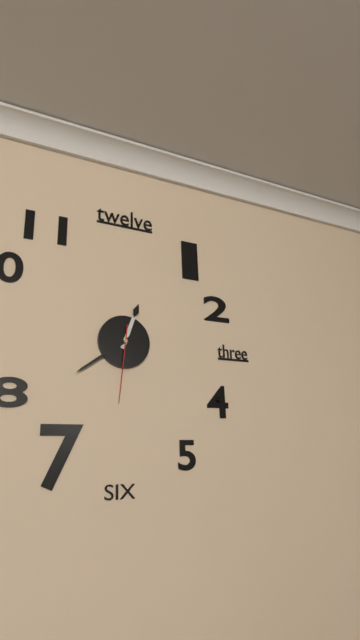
12.39.31
